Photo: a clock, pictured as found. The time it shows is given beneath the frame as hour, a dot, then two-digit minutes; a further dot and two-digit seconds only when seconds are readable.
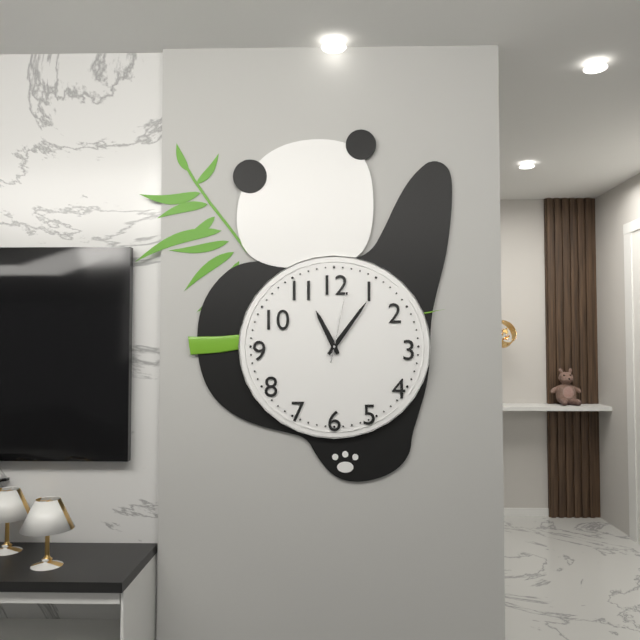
11.06.02
